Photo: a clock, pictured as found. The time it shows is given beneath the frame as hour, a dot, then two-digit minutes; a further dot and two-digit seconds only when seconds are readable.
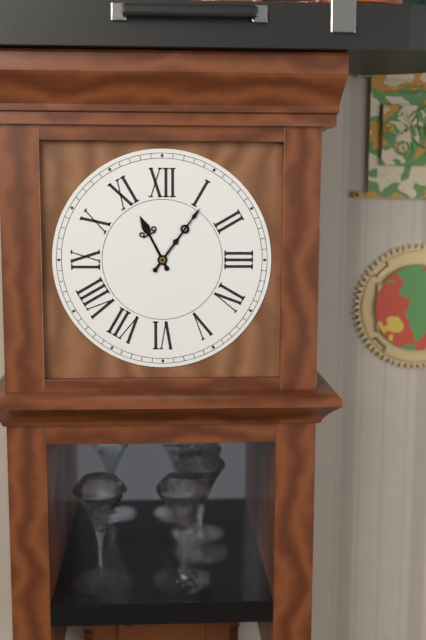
11.06
